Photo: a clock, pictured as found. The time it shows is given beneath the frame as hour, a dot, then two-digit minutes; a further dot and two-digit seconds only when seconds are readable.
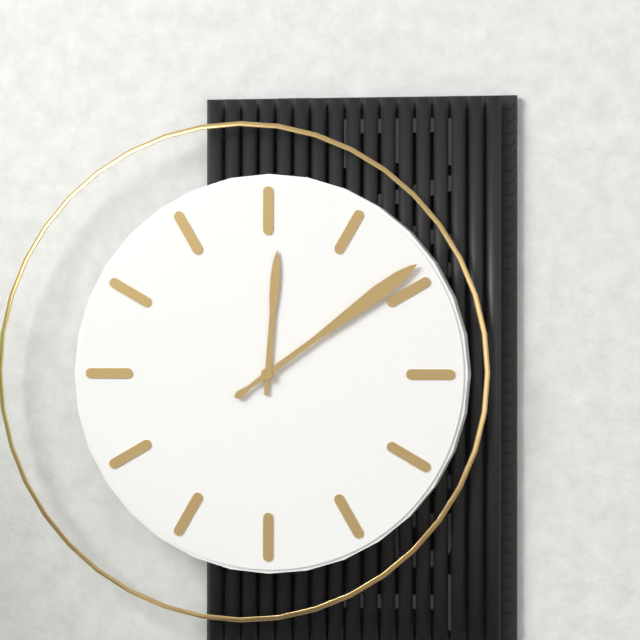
12.09
